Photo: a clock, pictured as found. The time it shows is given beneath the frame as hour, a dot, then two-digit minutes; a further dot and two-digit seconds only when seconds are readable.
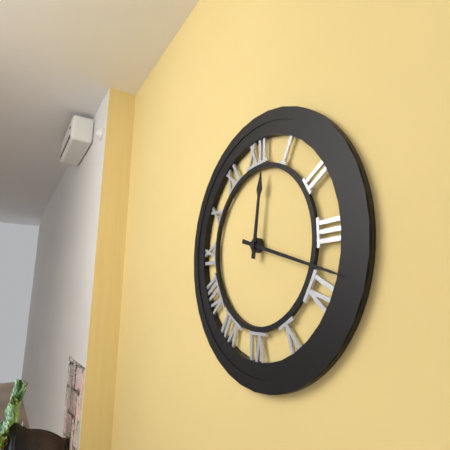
12.18
